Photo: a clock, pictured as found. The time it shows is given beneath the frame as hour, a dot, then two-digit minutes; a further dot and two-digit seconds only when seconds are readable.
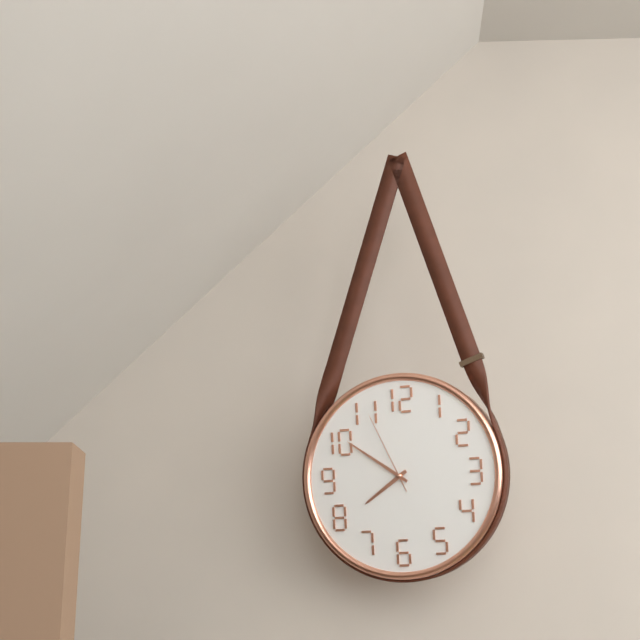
7.51.56
